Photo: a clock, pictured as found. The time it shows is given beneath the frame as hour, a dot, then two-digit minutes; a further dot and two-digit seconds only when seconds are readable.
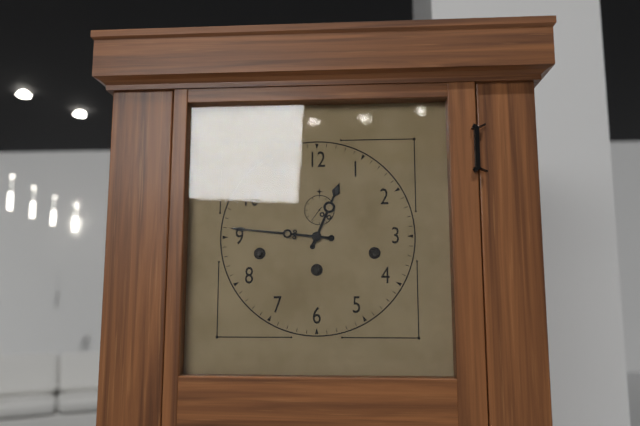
12.46
